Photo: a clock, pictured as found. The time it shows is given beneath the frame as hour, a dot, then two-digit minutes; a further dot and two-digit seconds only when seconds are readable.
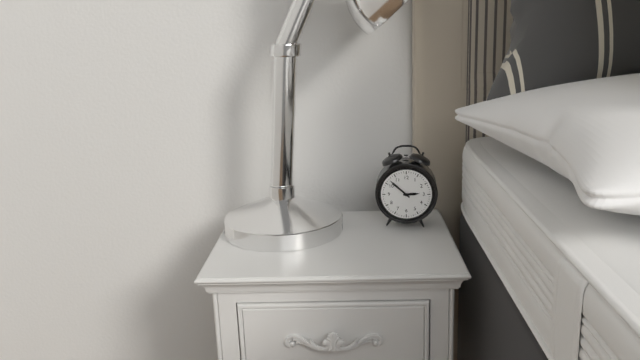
2.52
